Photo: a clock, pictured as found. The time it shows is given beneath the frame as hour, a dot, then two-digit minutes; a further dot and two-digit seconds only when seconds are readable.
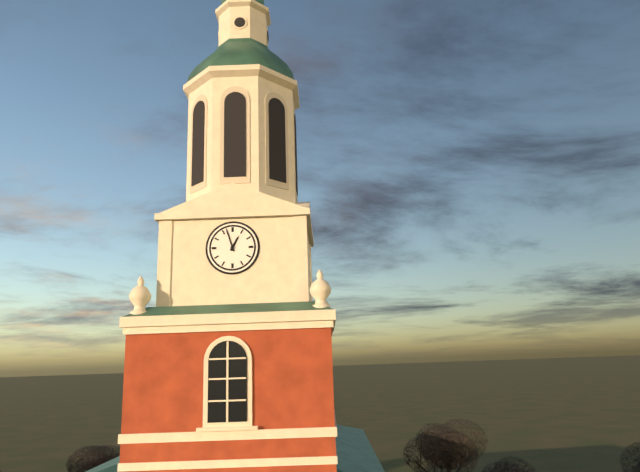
12.57
